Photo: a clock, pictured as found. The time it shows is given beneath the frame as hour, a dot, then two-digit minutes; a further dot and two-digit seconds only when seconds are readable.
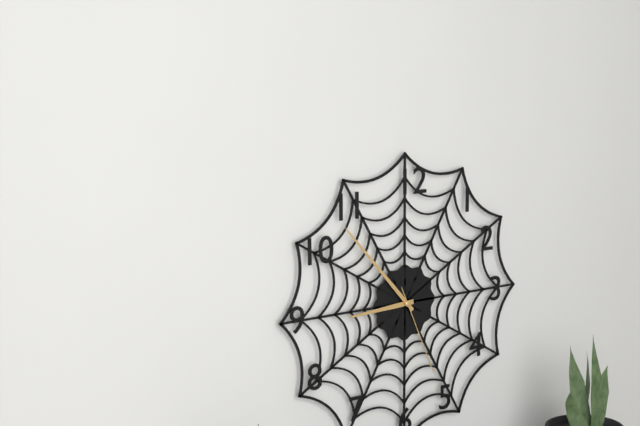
8.53.26
